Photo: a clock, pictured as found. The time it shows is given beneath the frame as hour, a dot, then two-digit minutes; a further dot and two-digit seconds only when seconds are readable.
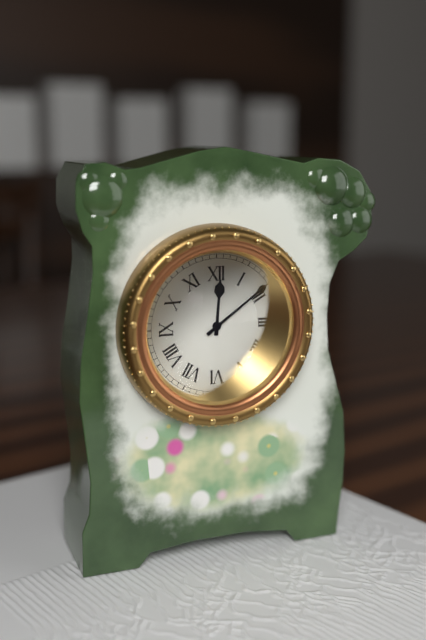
12.09
